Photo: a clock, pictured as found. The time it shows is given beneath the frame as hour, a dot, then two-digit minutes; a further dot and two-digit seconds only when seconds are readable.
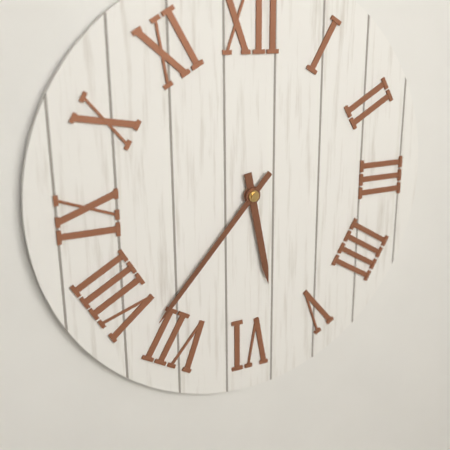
5.37
